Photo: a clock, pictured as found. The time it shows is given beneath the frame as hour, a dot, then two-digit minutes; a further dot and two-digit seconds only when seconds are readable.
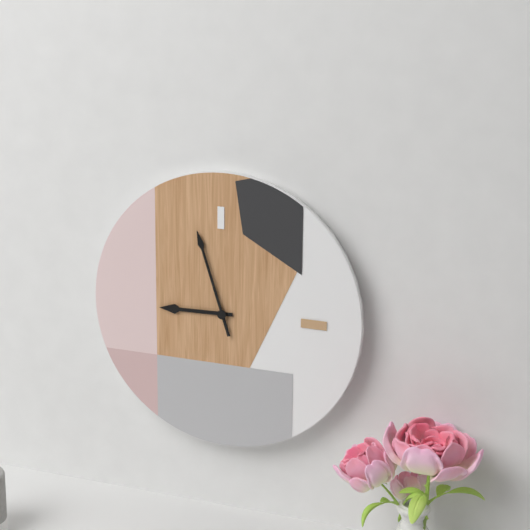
8.57
